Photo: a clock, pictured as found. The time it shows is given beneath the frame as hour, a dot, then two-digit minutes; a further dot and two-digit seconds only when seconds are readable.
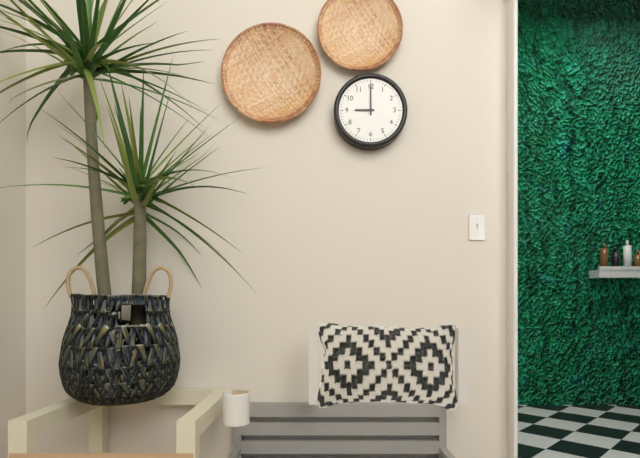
9.00
